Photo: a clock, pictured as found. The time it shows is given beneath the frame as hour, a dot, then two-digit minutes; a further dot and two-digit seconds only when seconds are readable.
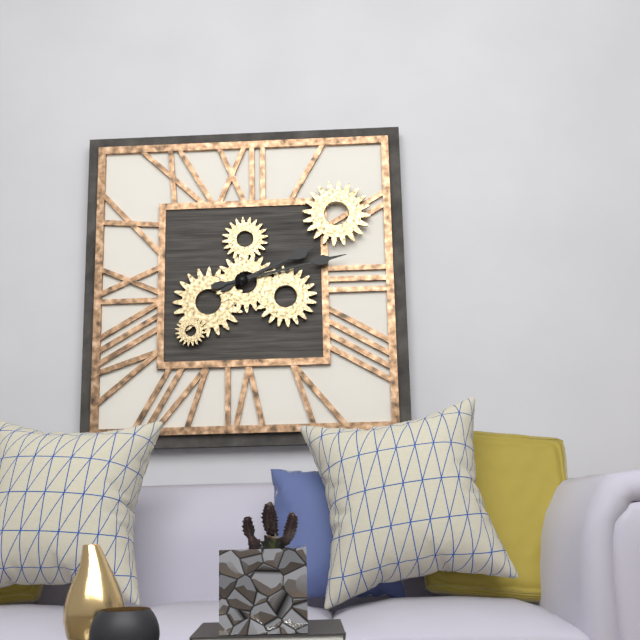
2.13
